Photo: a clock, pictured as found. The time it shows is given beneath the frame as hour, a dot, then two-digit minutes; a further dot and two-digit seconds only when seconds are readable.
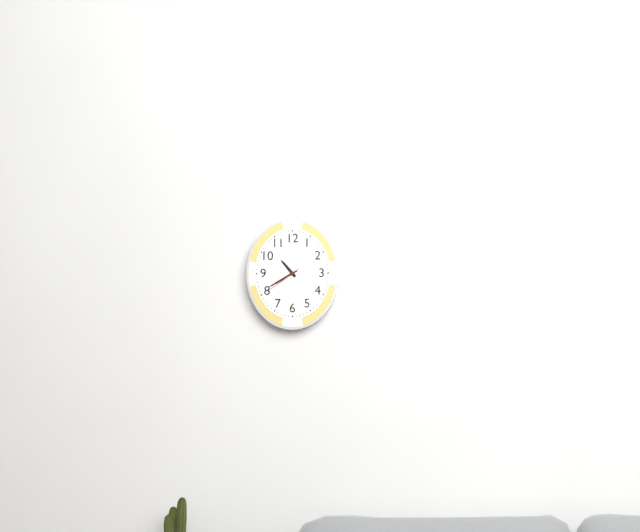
10.40
